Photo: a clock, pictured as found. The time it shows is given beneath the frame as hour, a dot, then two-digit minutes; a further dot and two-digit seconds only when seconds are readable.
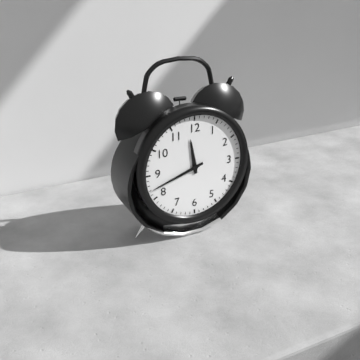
11.42
